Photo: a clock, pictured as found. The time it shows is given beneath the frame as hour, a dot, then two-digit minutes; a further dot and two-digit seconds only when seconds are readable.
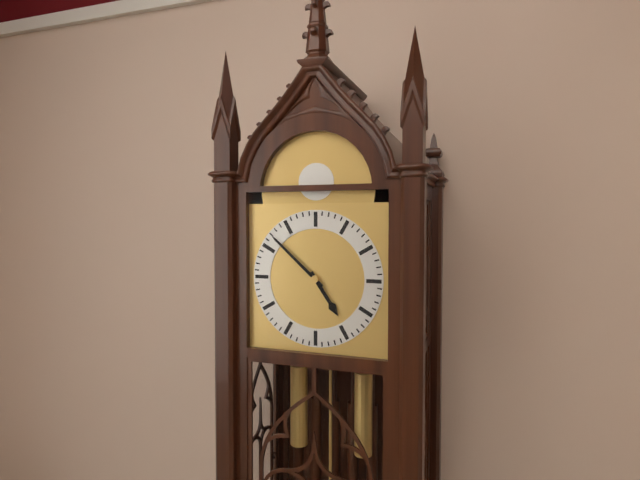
4.52
